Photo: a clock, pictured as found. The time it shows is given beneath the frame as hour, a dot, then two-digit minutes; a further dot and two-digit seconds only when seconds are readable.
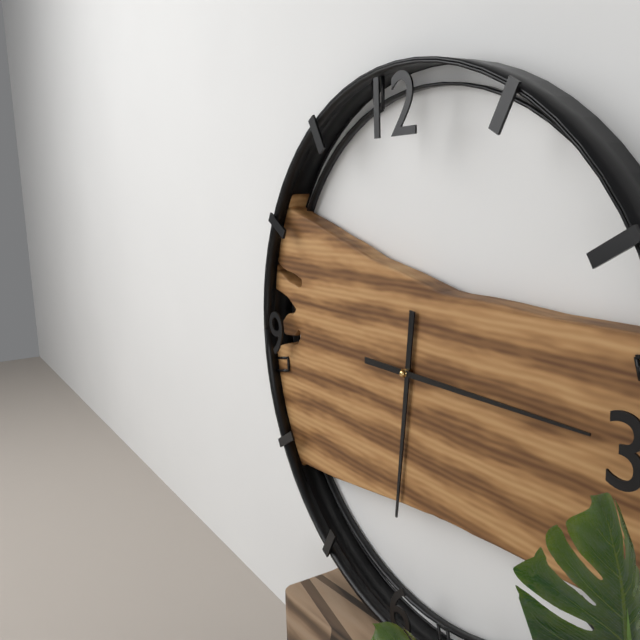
6.15
